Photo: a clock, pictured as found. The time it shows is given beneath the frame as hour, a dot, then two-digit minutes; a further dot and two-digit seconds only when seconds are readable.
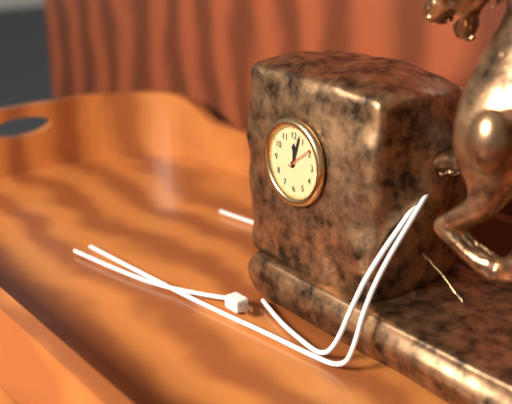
12.03
